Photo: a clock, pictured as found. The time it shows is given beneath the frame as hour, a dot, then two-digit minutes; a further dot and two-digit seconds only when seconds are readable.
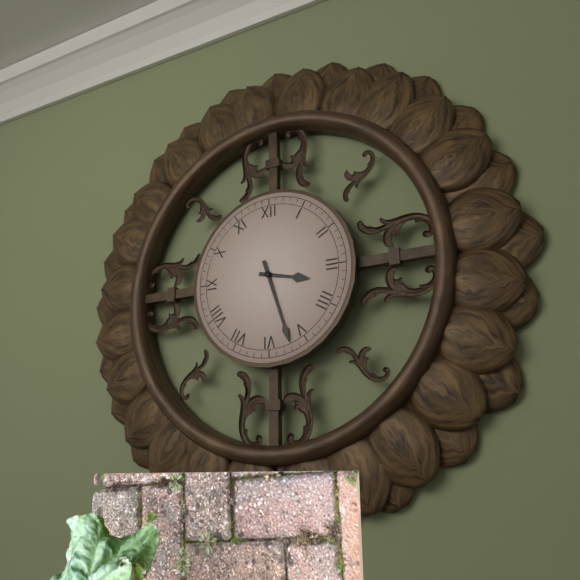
3.27
